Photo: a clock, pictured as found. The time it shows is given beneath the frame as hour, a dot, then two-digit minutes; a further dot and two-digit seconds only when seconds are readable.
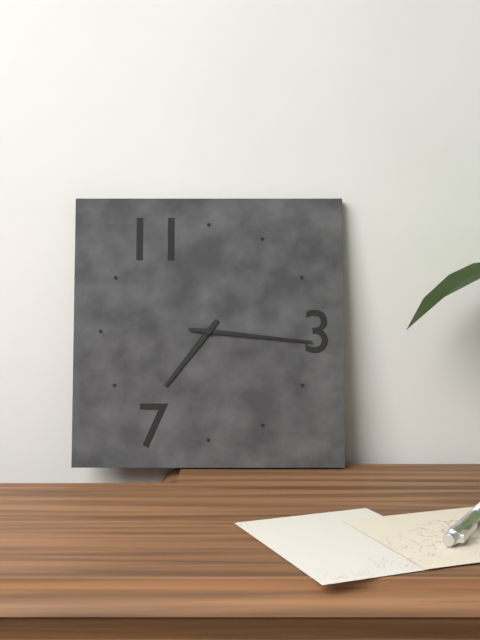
7.16
